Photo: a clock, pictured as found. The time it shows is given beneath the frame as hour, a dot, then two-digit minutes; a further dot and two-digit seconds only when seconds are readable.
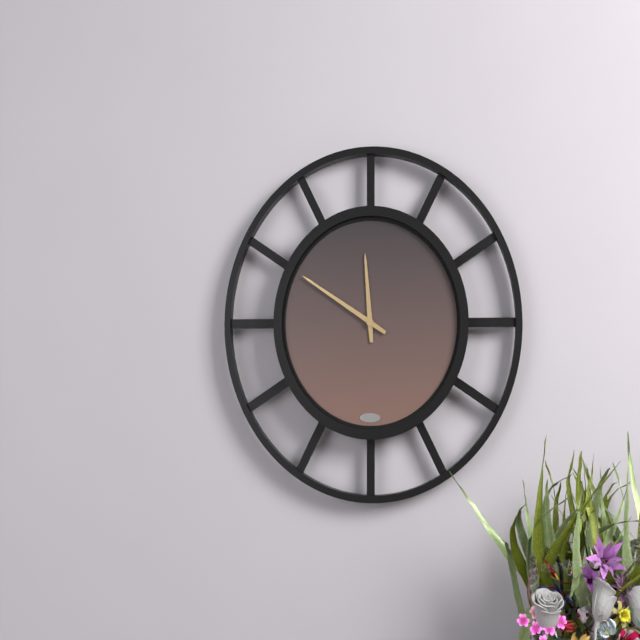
11.50
